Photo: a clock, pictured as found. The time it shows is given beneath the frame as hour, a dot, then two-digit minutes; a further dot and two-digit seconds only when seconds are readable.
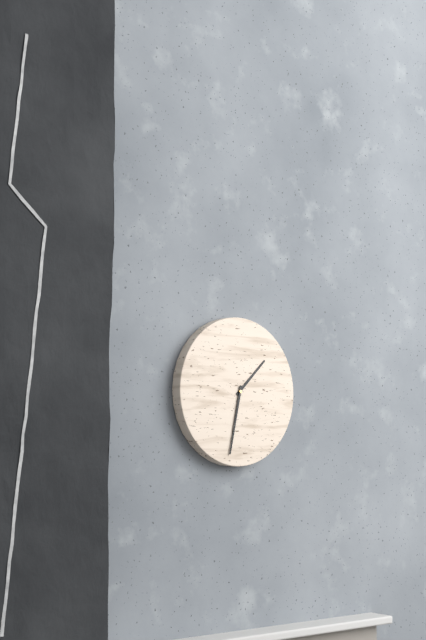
1.32
